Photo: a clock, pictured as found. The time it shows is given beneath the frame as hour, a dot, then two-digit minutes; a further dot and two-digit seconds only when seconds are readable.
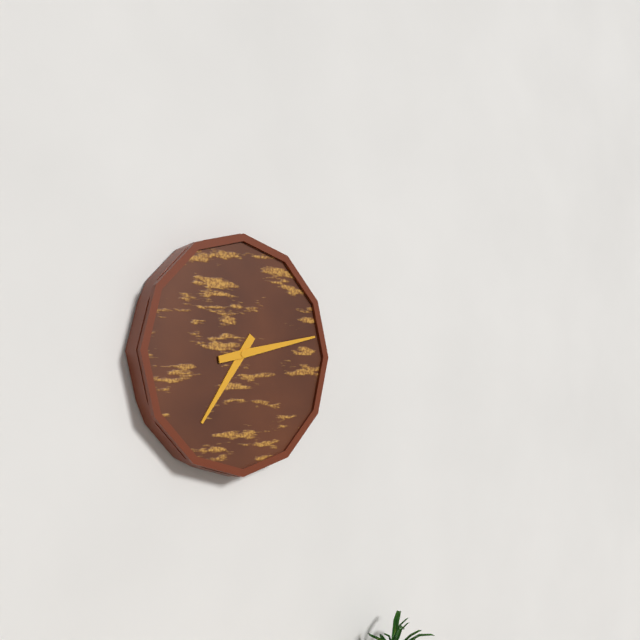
7.13
